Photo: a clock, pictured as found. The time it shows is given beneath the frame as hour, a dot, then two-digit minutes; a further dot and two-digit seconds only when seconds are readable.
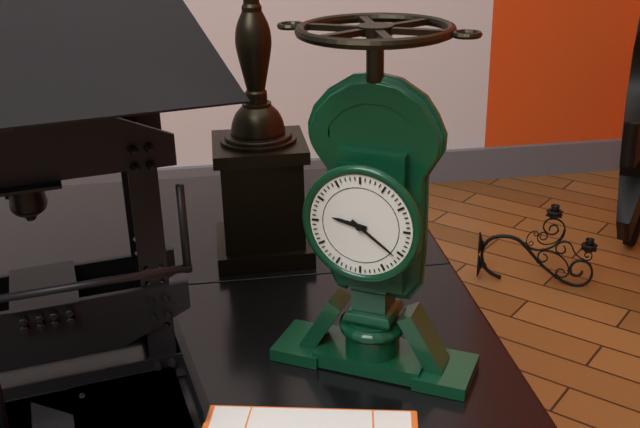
9.21
